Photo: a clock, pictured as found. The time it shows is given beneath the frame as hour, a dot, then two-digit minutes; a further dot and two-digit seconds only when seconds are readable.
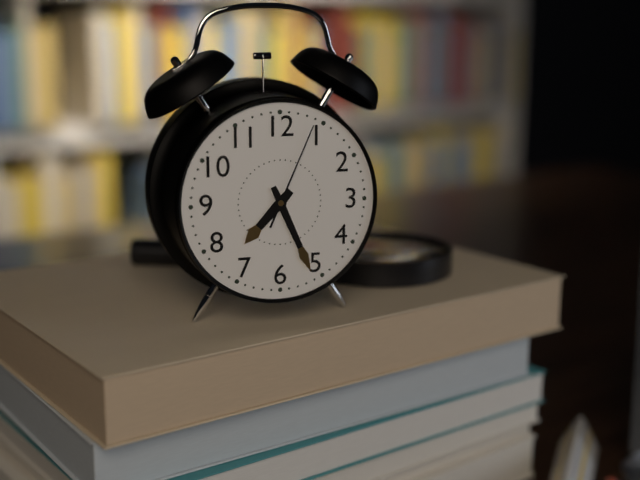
7.26.04
